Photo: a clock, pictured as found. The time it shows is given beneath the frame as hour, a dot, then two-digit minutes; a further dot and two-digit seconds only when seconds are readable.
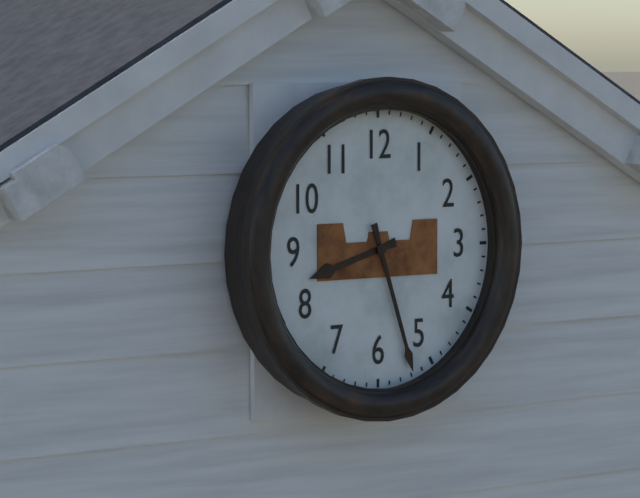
8.27
